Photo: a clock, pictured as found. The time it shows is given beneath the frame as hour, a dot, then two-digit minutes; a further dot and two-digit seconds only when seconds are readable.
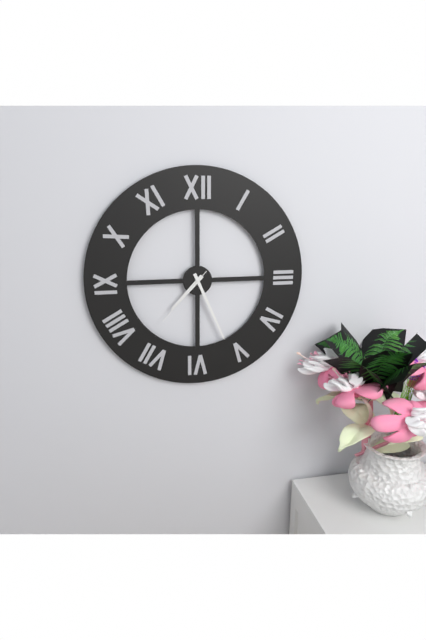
7.26.37
